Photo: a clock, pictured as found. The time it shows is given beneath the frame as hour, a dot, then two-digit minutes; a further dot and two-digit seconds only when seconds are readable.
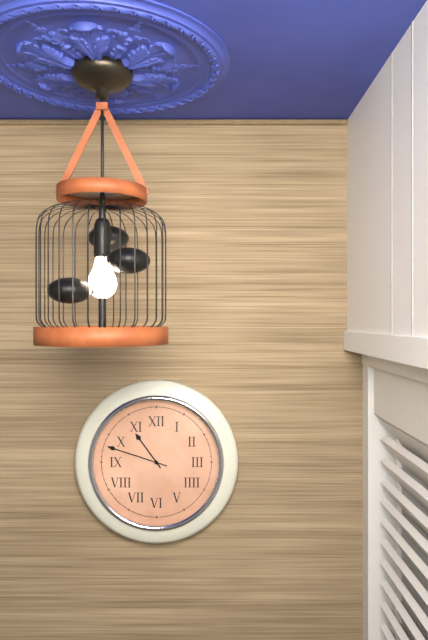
10.48
